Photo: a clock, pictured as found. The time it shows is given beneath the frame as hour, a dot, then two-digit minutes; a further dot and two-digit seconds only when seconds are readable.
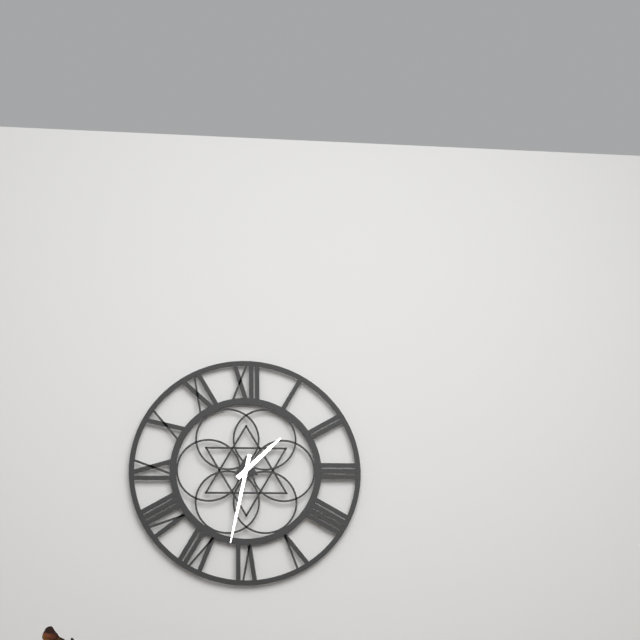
1.32
